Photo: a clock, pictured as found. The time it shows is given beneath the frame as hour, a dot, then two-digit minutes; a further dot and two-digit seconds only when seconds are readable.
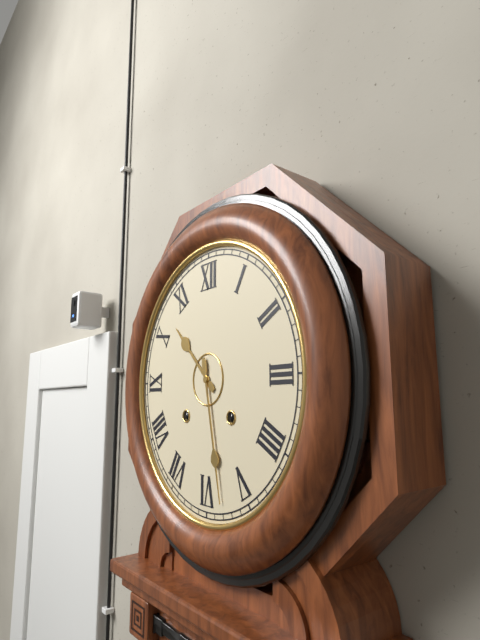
10.28
